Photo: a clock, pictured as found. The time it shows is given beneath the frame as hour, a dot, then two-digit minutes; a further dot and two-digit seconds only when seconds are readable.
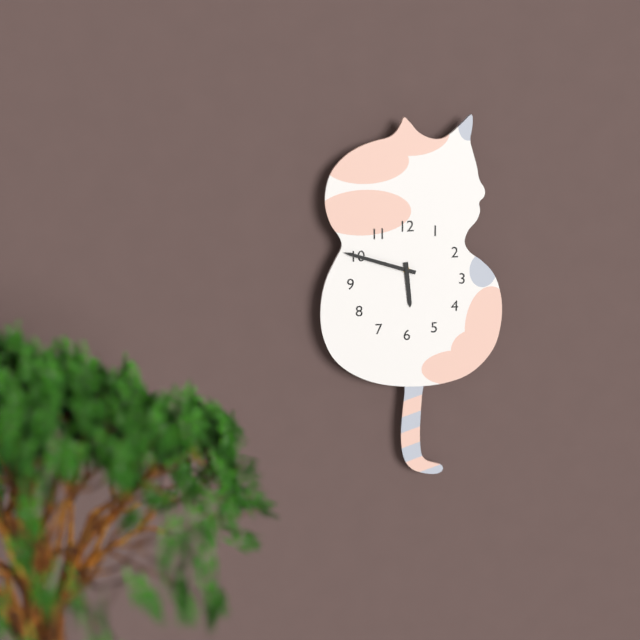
5.48
